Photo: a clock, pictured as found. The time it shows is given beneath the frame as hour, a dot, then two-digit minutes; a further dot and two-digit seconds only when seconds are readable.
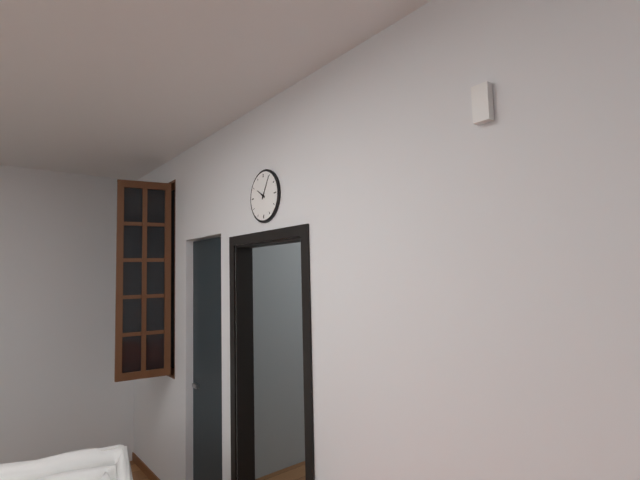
10.05
